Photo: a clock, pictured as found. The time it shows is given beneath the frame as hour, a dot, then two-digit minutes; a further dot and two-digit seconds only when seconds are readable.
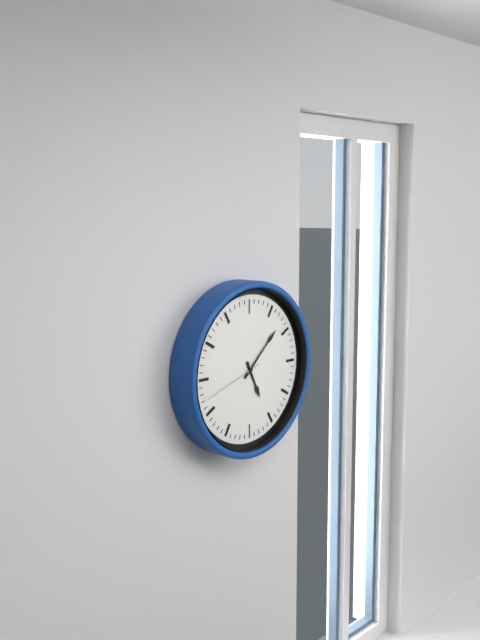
5.08.42
